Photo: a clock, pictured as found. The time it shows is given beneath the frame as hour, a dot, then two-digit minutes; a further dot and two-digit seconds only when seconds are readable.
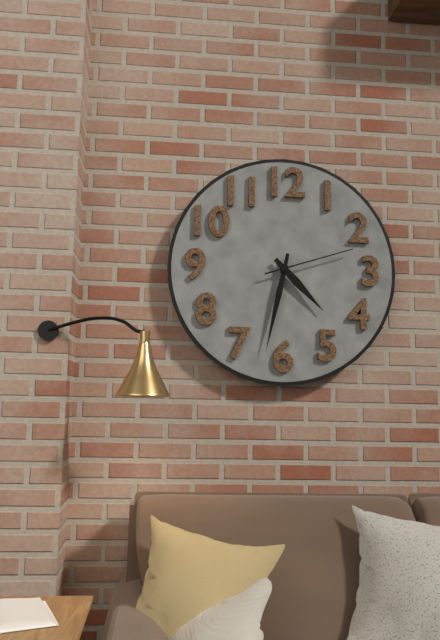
4.32.12
